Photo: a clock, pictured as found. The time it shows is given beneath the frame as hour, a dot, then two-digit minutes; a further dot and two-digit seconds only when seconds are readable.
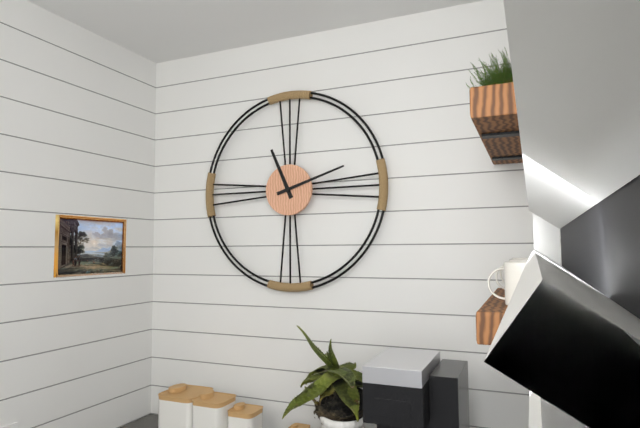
11.12
